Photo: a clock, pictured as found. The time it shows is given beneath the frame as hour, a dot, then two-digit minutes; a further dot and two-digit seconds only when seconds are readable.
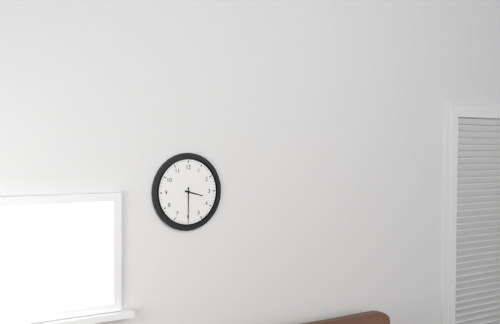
3.30
